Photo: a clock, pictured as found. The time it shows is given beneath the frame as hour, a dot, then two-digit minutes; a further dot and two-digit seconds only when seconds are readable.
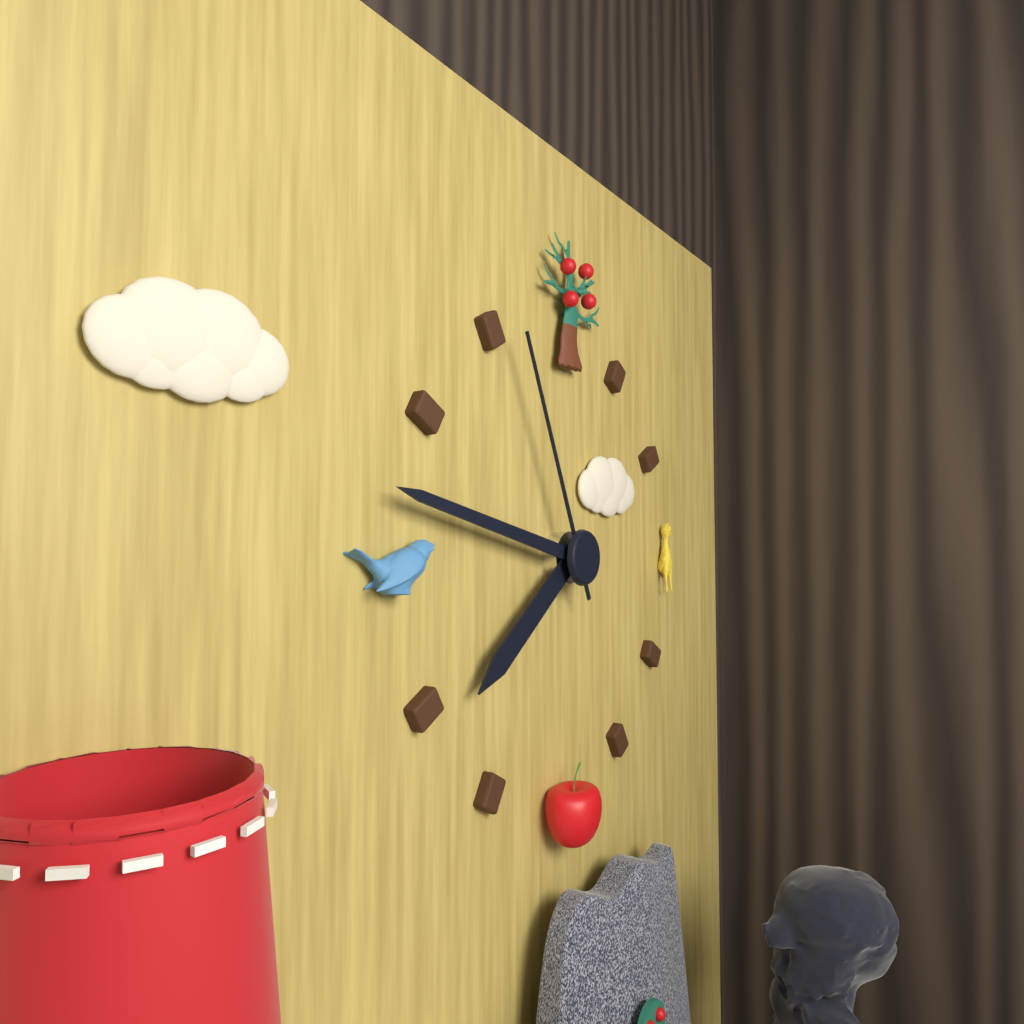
7.47.56
